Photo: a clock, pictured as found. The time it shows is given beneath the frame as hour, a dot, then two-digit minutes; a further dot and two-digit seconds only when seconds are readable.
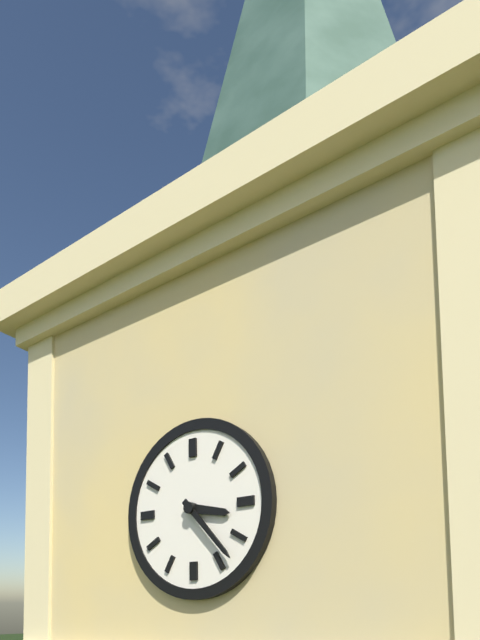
3.23
